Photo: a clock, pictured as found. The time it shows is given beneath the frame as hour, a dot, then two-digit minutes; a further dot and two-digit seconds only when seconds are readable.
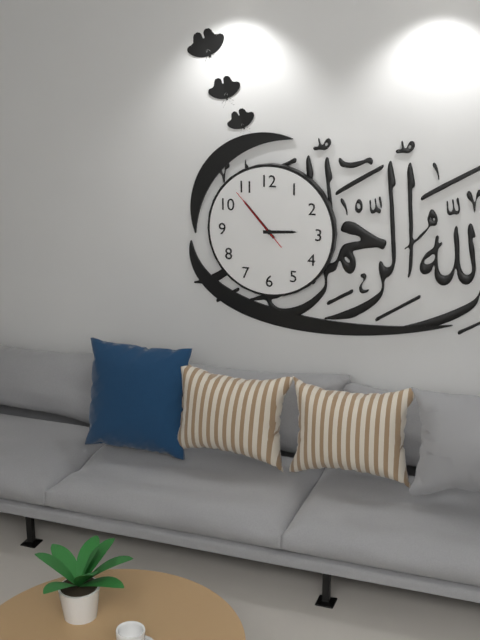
2.53.53
